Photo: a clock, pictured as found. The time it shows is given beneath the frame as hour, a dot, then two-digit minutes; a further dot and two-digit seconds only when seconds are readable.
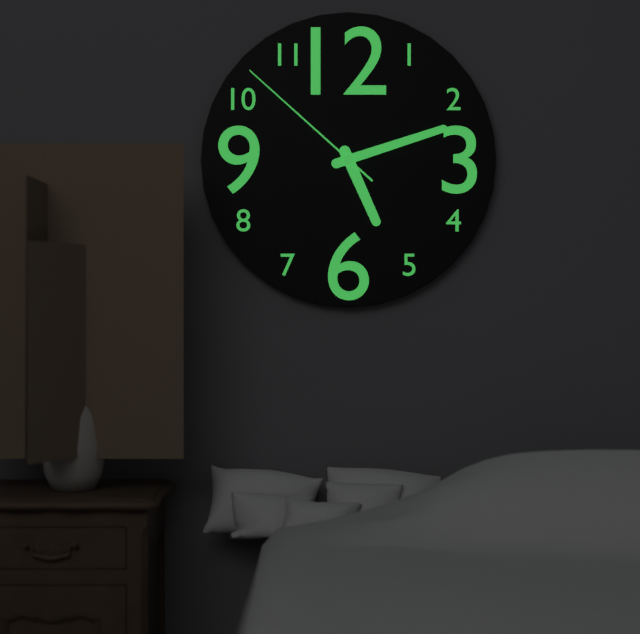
5.12.52
